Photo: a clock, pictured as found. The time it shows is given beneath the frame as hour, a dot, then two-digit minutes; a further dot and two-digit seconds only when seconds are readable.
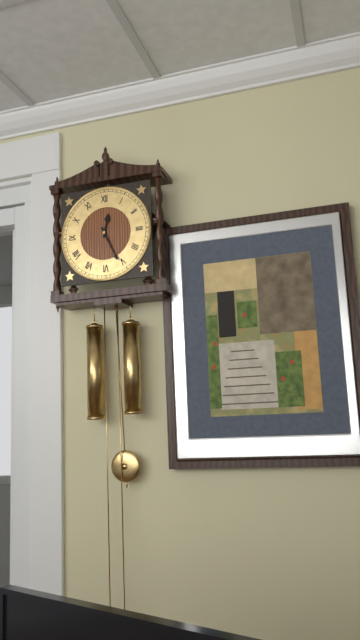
12.26
